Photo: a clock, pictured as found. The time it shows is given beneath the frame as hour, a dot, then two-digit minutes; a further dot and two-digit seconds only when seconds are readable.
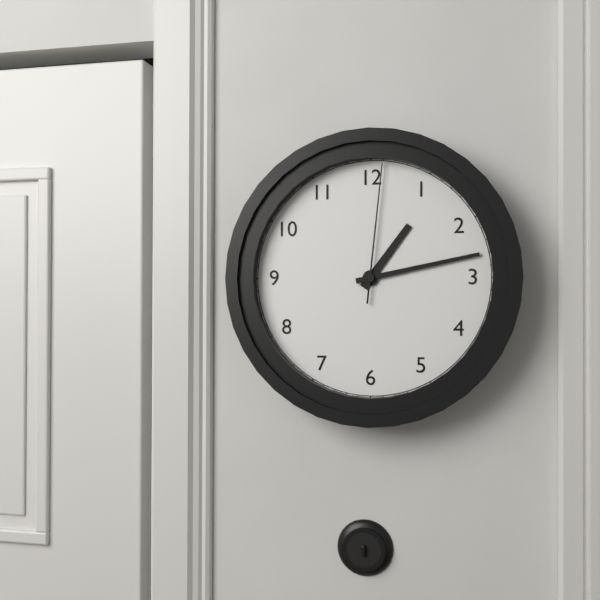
1.13.01
